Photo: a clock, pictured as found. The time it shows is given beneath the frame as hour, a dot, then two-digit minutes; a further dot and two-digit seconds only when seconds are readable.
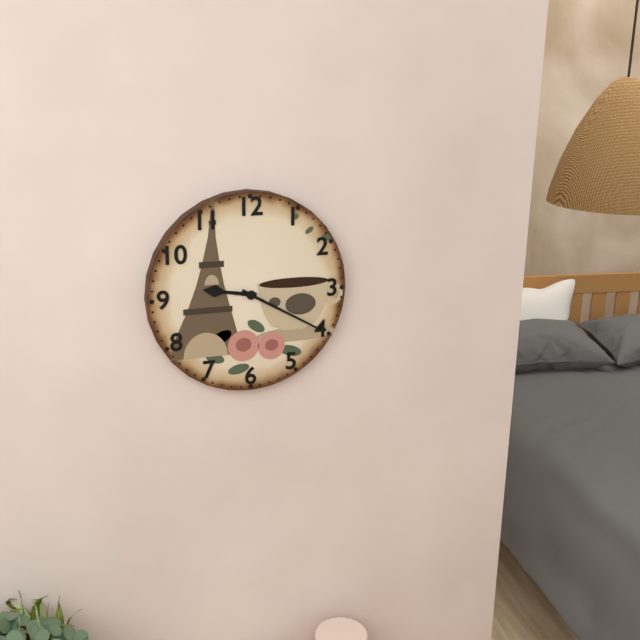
9.20
